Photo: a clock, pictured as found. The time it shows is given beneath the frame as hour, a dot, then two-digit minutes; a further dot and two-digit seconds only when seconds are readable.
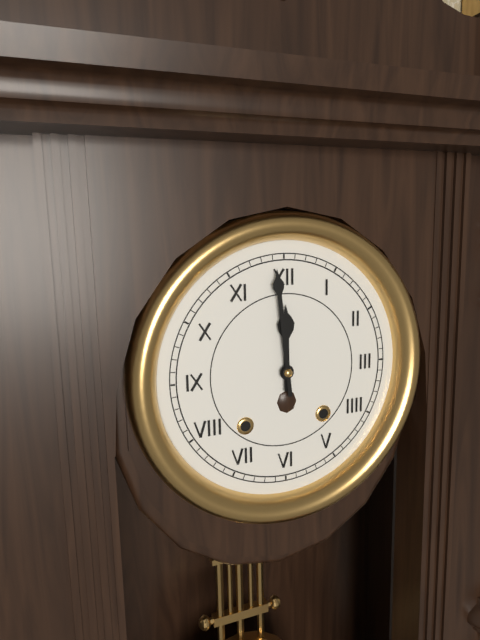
11.59
